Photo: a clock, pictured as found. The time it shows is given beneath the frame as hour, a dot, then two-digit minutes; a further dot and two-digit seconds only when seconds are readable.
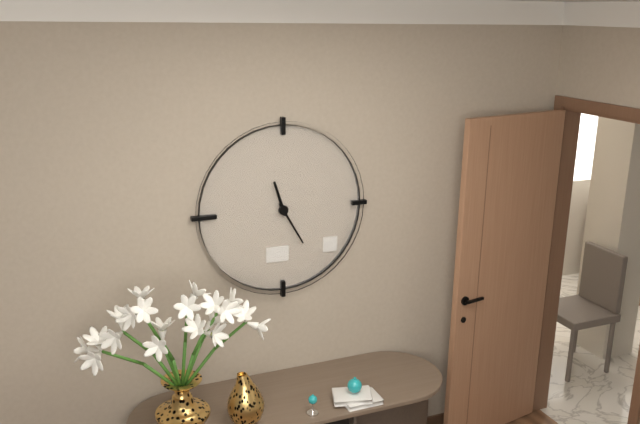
11.25
